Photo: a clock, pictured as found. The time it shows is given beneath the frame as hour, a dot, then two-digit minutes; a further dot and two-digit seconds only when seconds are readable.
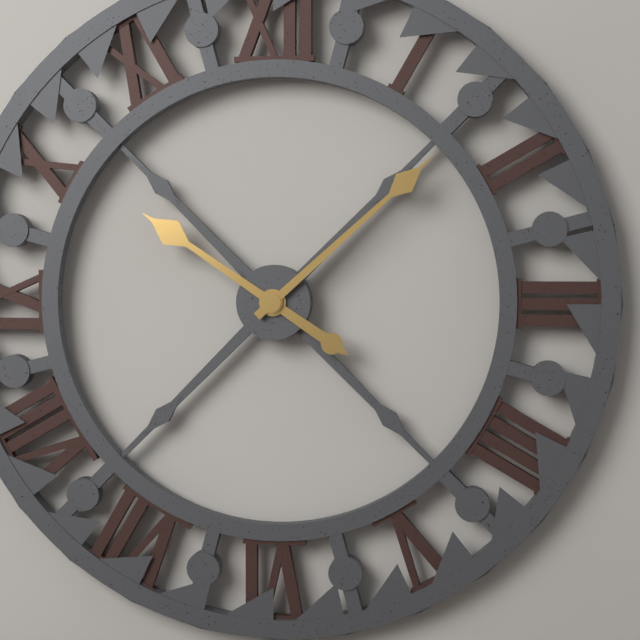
10.08
